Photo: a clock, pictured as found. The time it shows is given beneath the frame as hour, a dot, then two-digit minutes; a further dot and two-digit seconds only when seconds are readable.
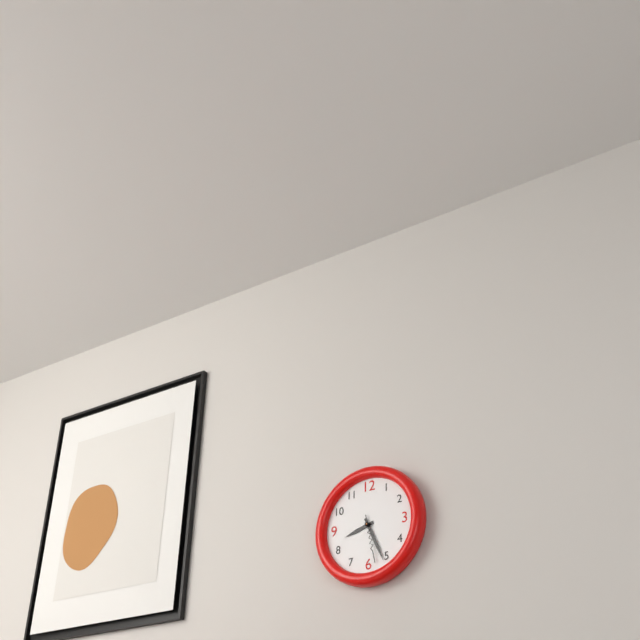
8.26
